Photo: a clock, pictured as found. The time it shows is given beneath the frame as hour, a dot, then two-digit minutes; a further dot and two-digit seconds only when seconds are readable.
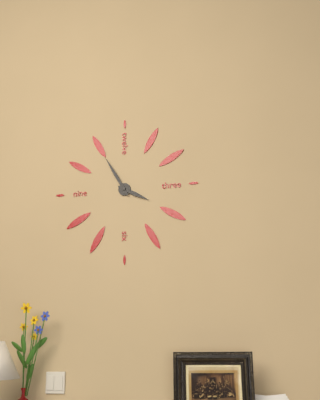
3.55
